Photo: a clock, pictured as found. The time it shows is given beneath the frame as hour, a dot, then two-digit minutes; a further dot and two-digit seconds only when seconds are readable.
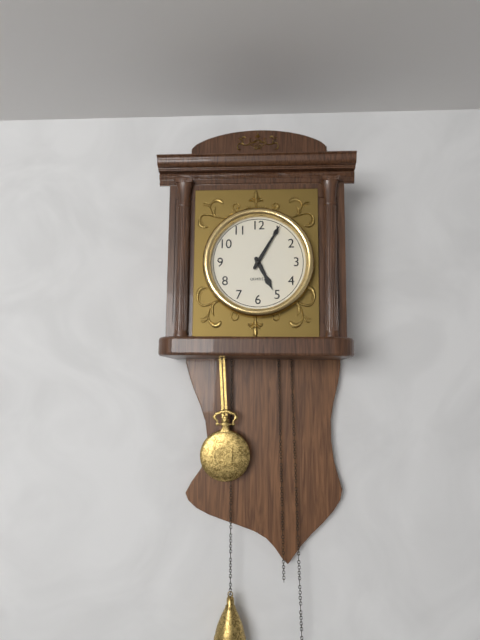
5.05
